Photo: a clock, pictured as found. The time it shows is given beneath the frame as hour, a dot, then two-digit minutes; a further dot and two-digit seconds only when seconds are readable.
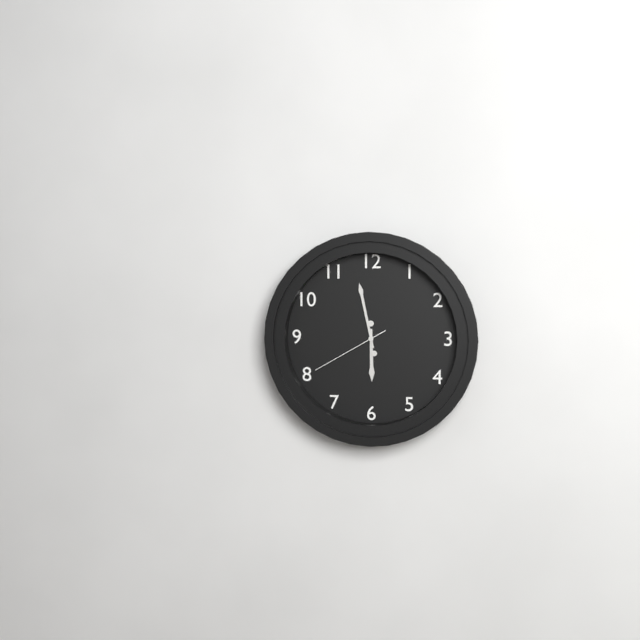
5.58.40
